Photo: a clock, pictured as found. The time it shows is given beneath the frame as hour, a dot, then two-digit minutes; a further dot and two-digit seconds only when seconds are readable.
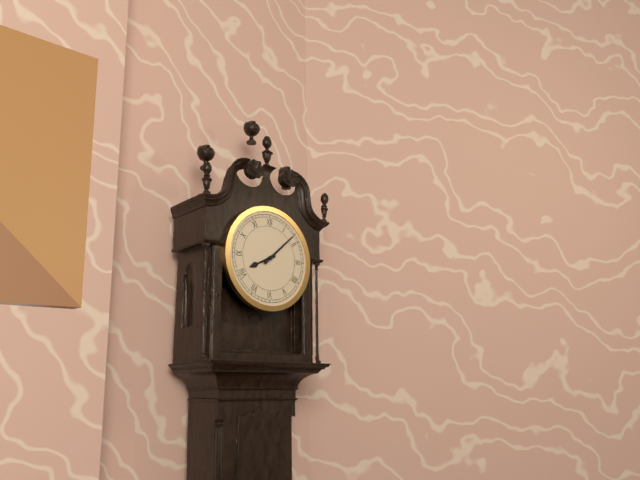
8.08
